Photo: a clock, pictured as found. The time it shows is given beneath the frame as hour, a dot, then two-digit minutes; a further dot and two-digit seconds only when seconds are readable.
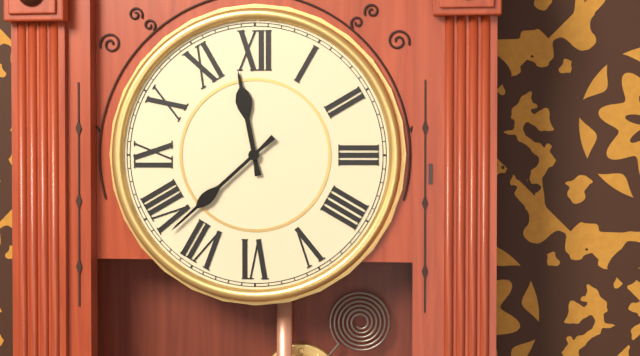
11.38
